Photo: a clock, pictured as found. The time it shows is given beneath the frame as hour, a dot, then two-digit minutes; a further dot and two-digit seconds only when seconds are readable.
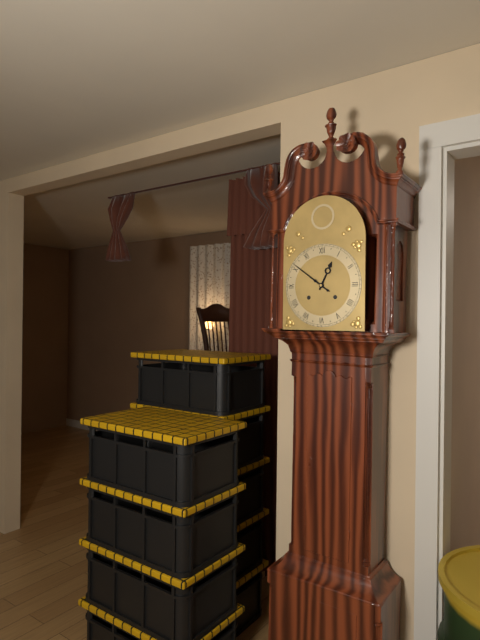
12.51
